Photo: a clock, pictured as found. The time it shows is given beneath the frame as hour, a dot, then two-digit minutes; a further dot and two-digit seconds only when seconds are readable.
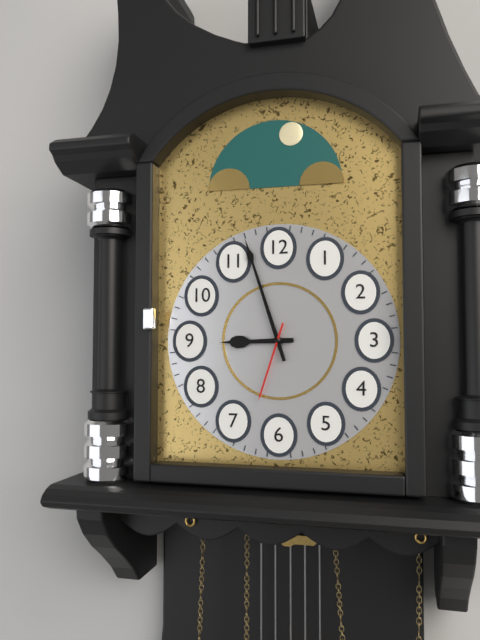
8.57.33
